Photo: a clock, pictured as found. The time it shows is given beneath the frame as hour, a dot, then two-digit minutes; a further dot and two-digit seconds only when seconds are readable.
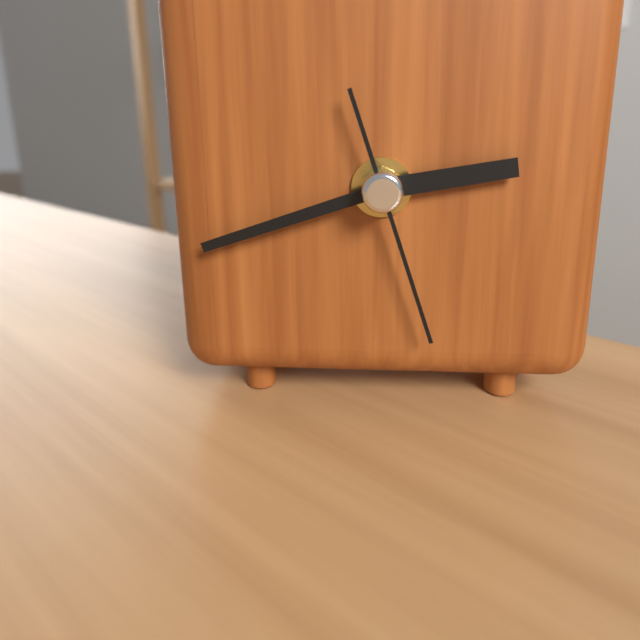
2.42.27
